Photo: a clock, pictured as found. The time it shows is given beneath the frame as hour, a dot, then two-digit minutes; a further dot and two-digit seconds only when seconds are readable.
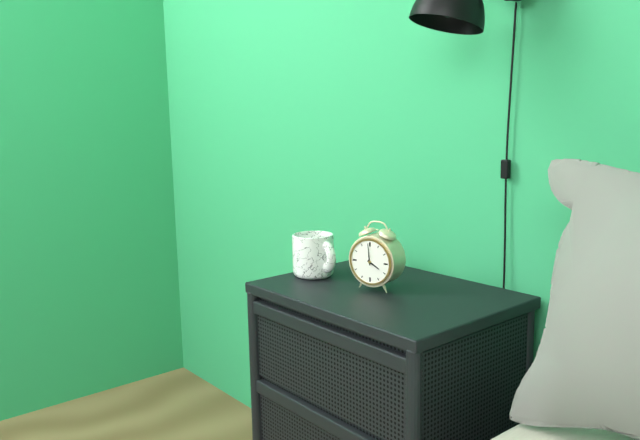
3.59
